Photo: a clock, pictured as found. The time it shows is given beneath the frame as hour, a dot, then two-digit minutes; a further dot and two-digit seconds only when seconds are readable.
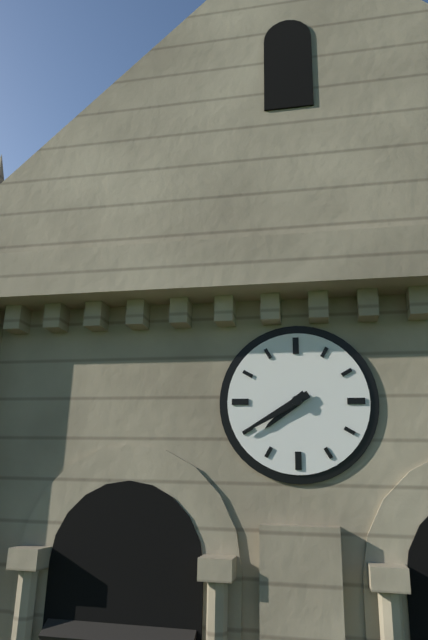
7.40
